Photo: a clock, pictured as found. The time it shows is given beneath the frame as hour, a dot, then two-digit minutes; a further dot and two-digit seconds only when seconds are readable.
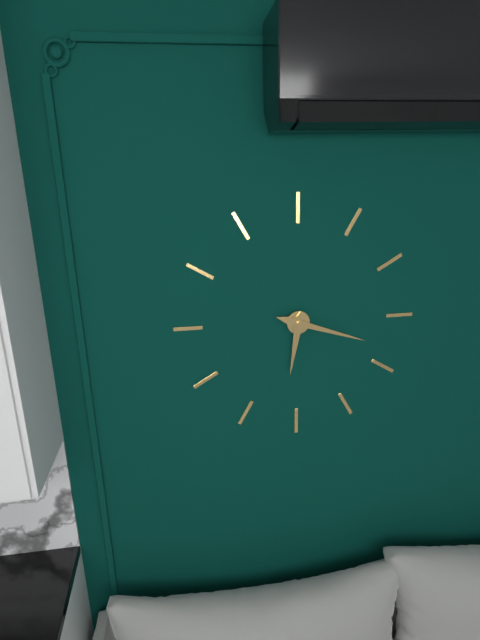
6.18
